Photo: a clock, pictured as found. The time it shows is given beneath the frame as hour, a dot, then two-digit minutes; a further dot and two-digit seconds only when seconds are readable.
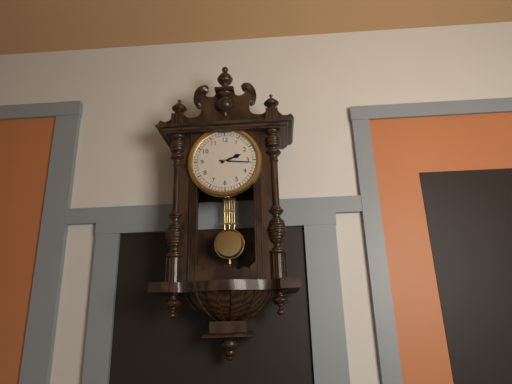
2.16
